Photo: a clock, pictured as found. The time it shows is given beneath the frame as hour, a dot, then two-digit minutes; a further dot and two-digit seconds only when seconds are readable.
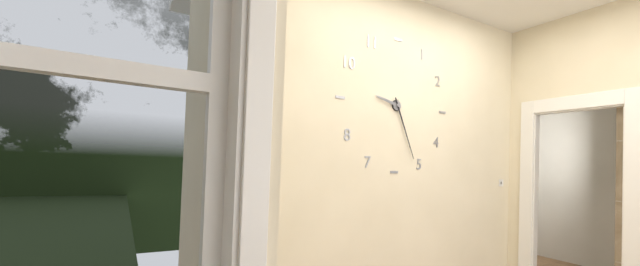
9.26
